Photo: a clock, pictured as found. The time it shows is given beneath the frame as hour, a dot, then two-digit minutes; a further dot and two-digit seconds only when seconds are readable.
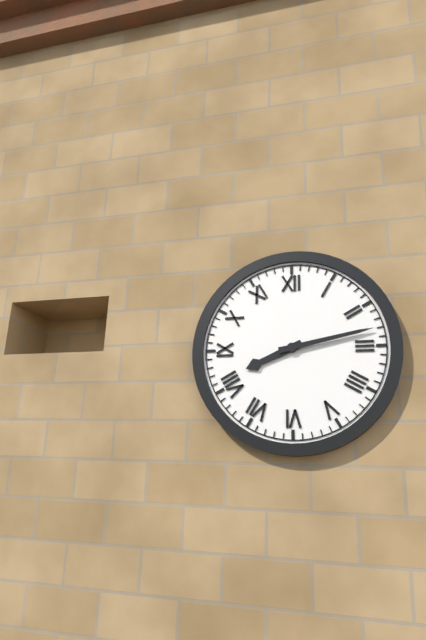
8.13
